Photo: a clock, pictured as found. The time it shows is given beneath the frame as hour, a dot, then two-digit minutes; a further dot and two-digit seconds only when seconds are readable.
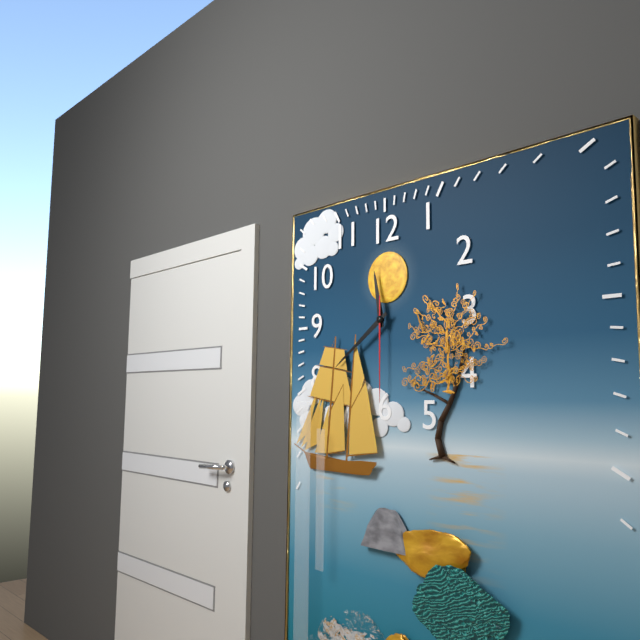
11.39.30
